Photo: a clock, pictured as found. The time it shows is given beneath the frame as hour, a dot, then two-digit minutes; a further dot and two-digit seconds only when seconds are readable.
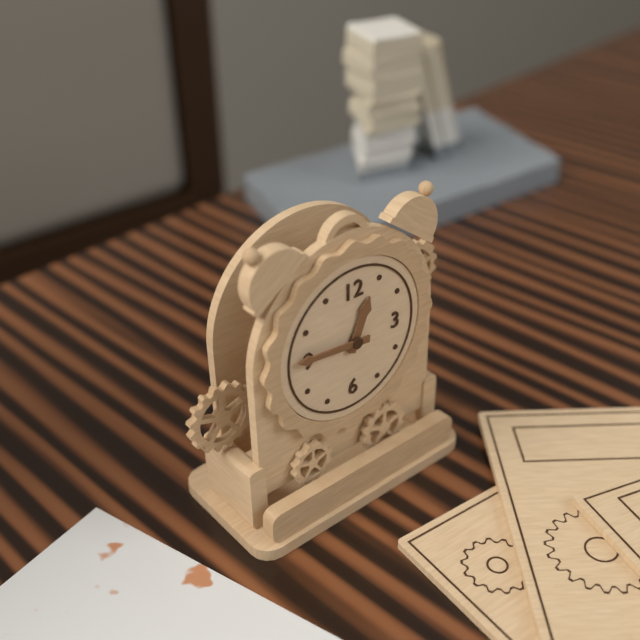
12.46
